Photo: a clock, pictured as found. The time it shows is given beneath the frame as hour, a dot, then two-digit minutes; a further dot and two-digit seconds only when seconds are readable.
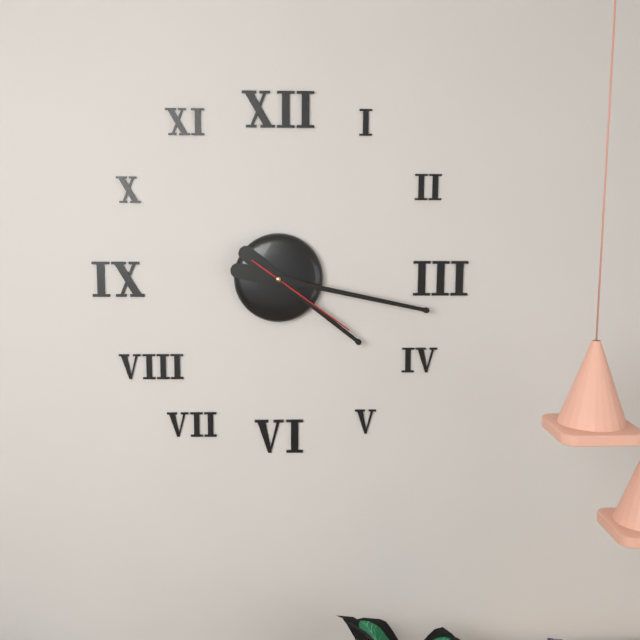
4.17.21
